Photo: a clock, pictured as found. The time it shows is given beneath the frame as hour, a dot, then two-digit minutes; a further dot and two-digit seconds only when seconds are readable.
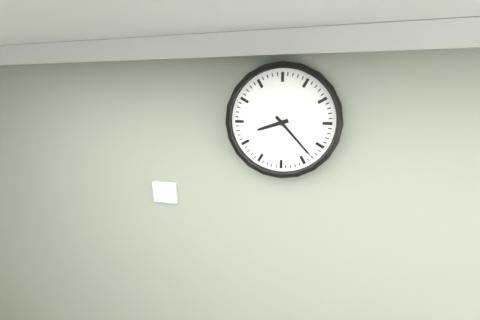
8.23
